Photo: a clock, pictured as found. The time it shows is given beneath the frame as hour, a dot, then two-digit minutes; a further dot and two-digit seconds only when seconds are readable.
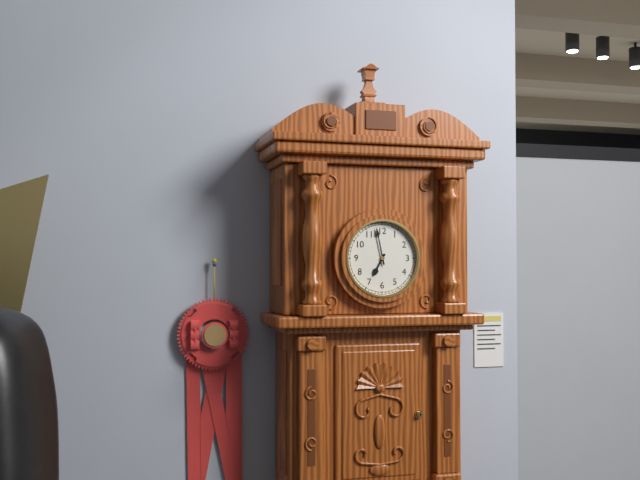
6.58
